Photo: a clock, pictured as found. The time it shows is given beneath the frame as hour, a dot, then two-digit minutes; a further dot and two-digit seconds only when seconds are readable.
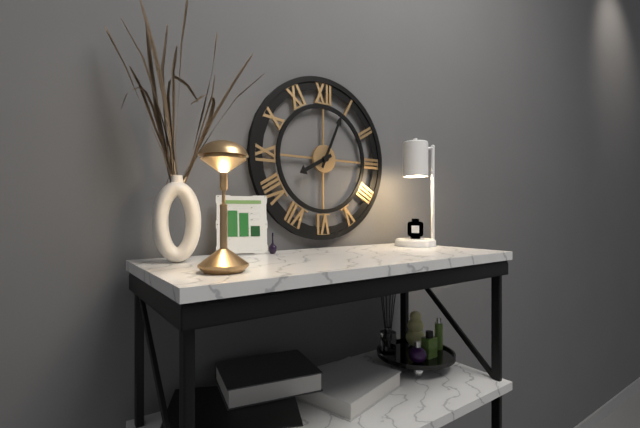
8.04
